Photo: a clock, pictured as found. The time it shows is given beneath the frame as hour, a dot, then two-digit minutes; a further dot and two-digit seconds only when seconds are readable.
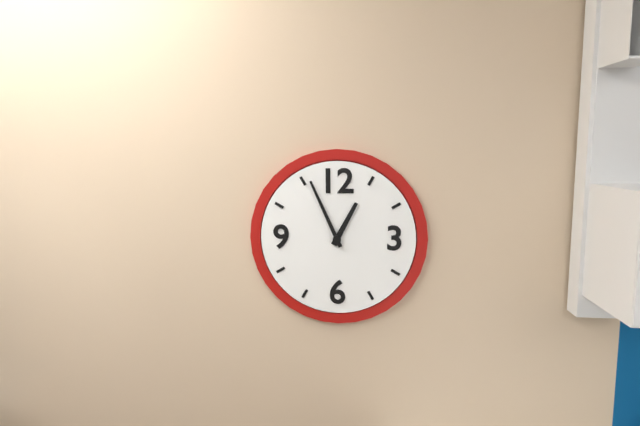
12.56
